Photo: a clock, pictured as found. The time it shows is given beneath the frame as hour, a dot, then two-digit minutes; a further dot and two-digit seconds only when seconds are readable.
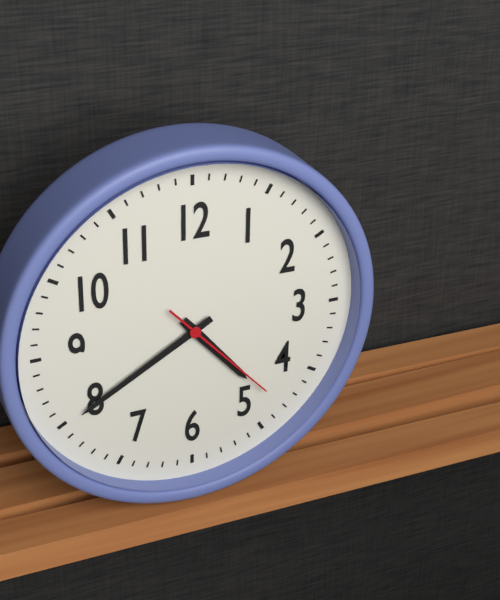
4.40.23
